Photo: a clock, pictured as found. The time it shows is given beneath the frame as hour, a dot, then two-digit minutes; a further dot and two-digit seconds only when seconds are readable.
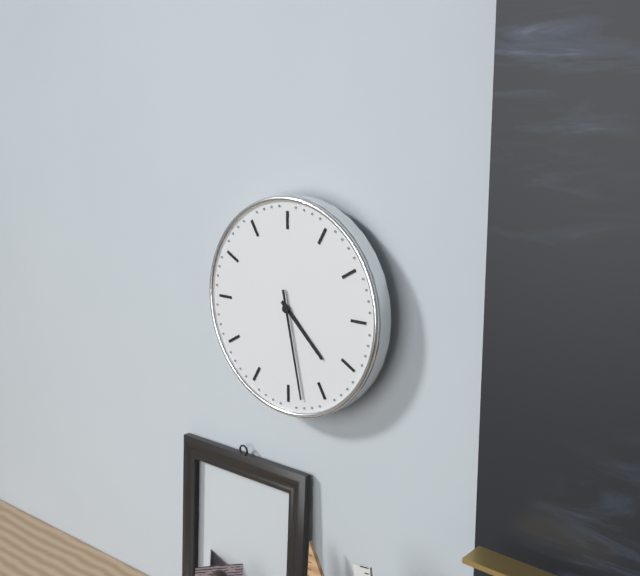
4.28
